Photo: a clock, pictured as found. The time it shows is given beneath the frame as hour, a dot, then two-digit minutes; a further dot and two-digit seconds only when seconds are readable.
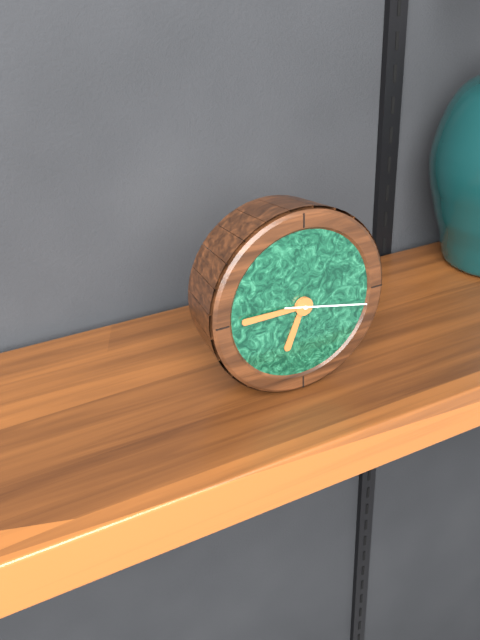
6.45.17
